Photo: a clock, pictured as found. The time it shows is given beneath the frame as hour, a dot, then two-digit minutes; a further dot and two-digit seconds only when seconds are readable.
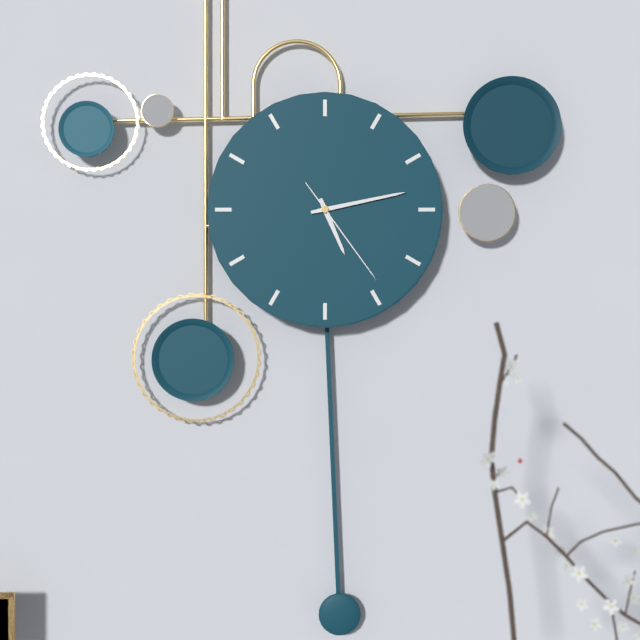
5.13.24
